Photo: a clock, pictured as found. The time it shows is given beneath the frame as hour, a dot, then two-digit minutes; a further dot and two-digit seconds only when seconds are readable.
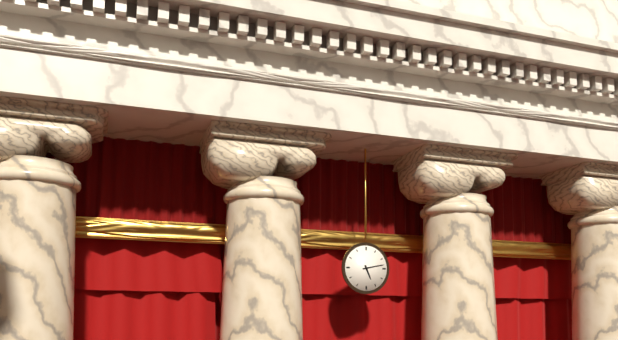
5.13
